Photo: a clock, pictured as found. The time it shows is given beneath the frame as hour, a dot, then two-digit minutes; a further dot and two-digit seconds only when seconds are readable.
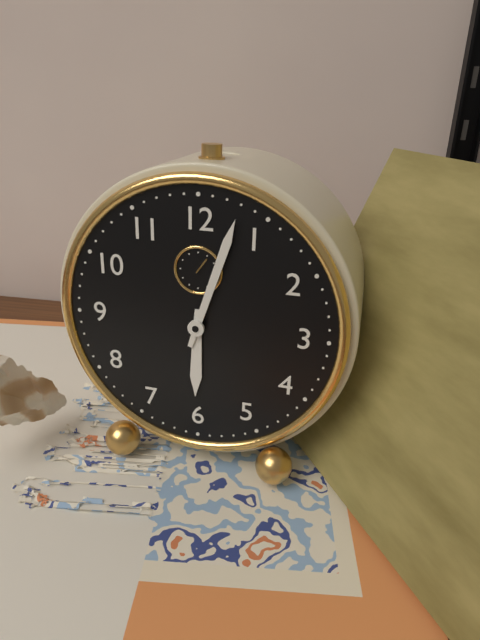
6.03
